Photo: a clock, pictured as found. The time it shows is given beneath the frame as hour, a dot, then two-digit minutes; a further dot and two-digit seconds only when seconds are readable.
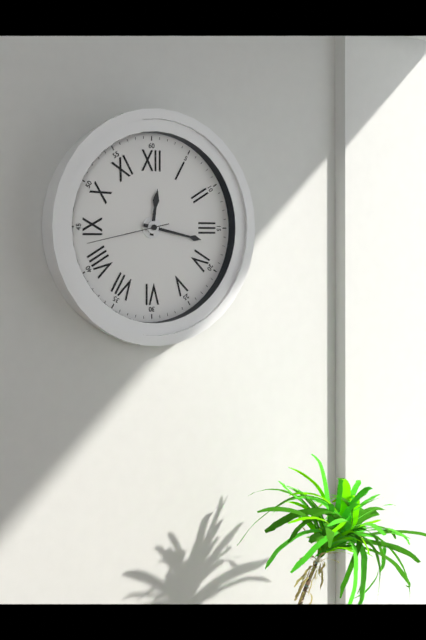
12.17.43
